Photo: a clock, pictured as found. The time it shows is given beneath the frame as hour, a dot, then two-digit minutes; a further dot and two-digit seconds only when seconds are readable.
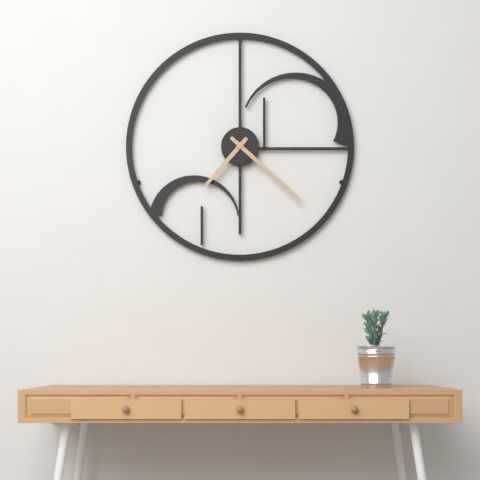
7.22
